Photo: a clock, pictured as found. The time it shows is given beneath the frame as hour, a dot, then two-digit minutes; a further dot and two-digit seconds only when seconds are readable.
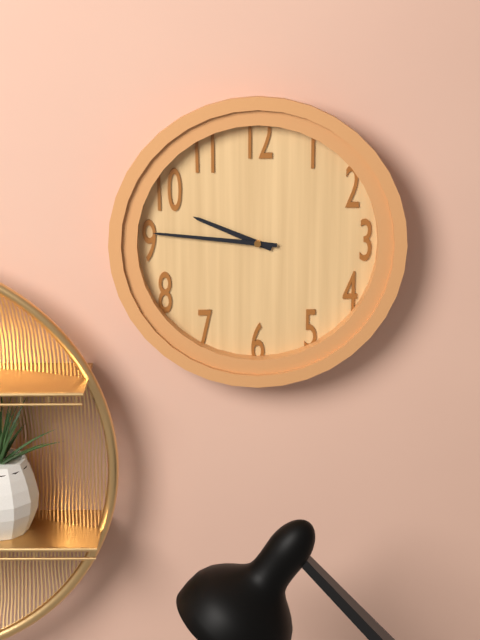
9.46
